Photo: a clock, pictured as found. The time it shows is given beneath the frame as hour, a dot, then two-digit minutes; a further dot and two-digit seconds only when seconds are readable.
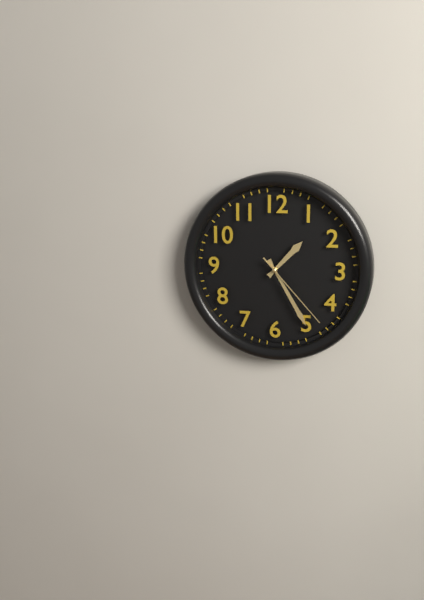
1.25.23
